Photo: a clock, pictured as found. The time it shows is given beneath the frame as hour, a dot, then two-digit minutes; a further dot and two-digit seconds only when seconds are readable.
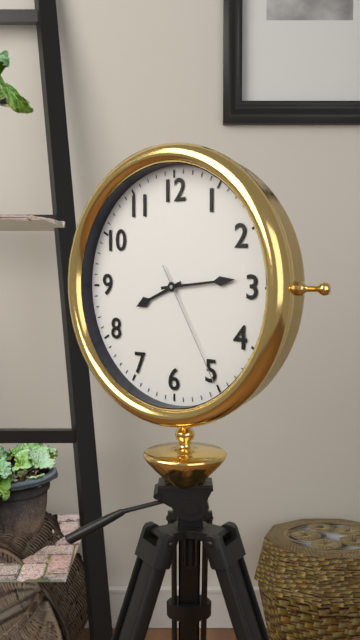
8.14.25
